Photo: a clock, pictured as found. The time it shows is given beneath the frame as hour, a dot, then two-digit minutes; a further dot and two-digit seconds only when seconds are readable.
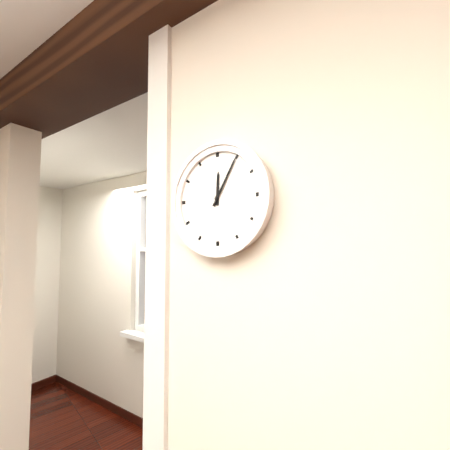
12.05
